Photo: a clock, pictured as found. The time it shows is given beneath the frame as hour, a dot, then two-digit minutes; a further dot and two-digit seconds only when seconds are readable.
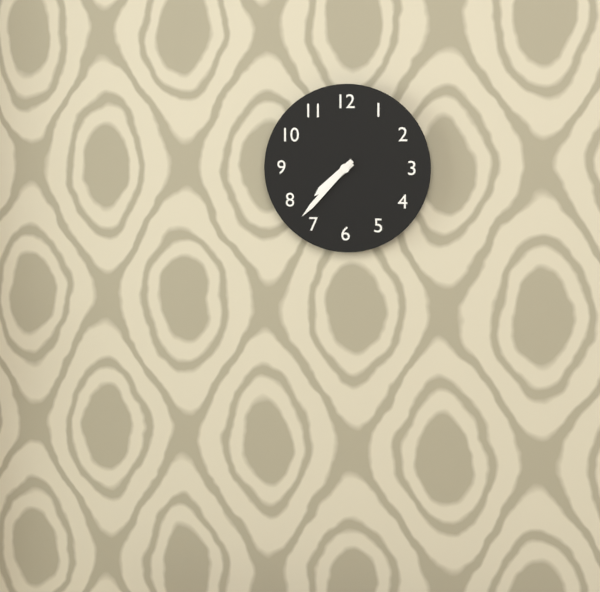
7.37
